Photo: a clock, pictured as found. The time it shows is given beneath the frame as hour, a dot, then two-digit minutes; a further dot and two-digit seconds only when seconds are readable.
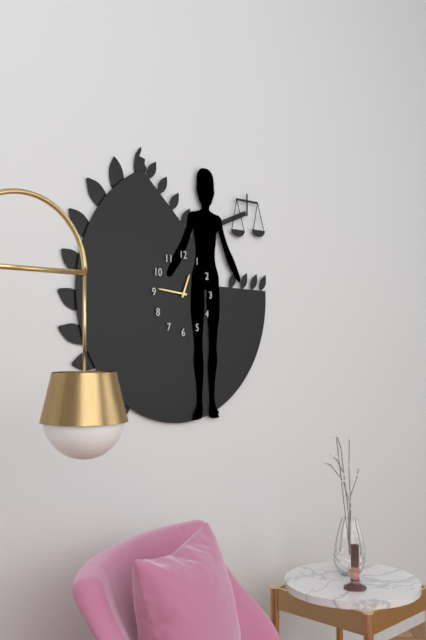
12.46
